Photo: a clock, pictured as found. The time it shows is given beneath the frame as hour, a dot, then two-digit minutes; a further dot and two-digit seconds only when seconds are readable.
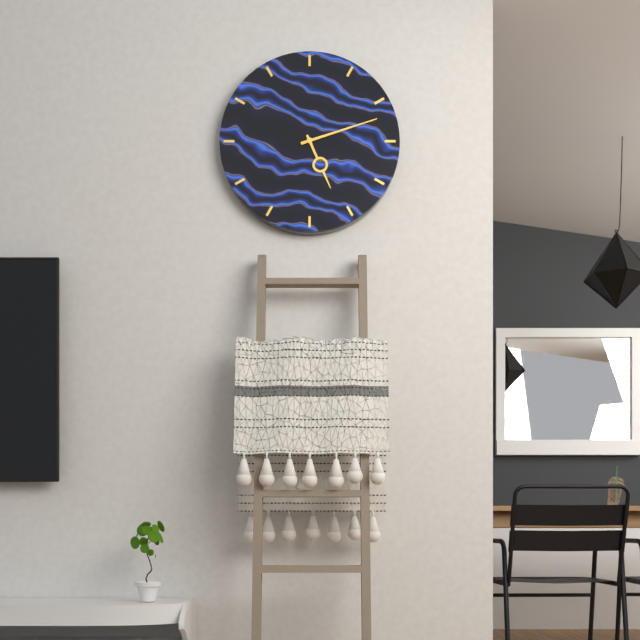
5.12
